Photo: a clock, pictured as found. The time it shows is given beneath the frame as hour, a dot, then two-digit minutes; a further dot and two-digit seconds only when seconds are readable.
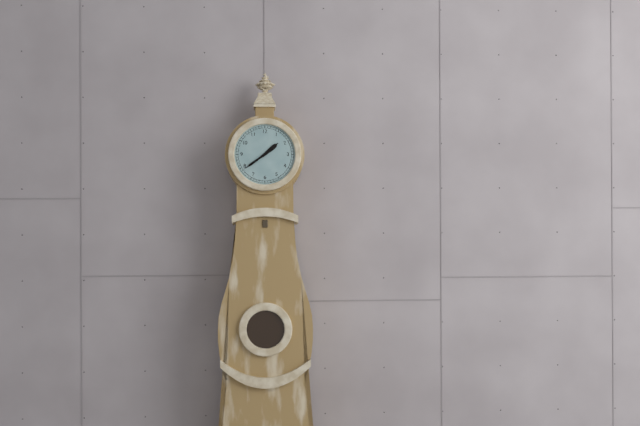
1.39
